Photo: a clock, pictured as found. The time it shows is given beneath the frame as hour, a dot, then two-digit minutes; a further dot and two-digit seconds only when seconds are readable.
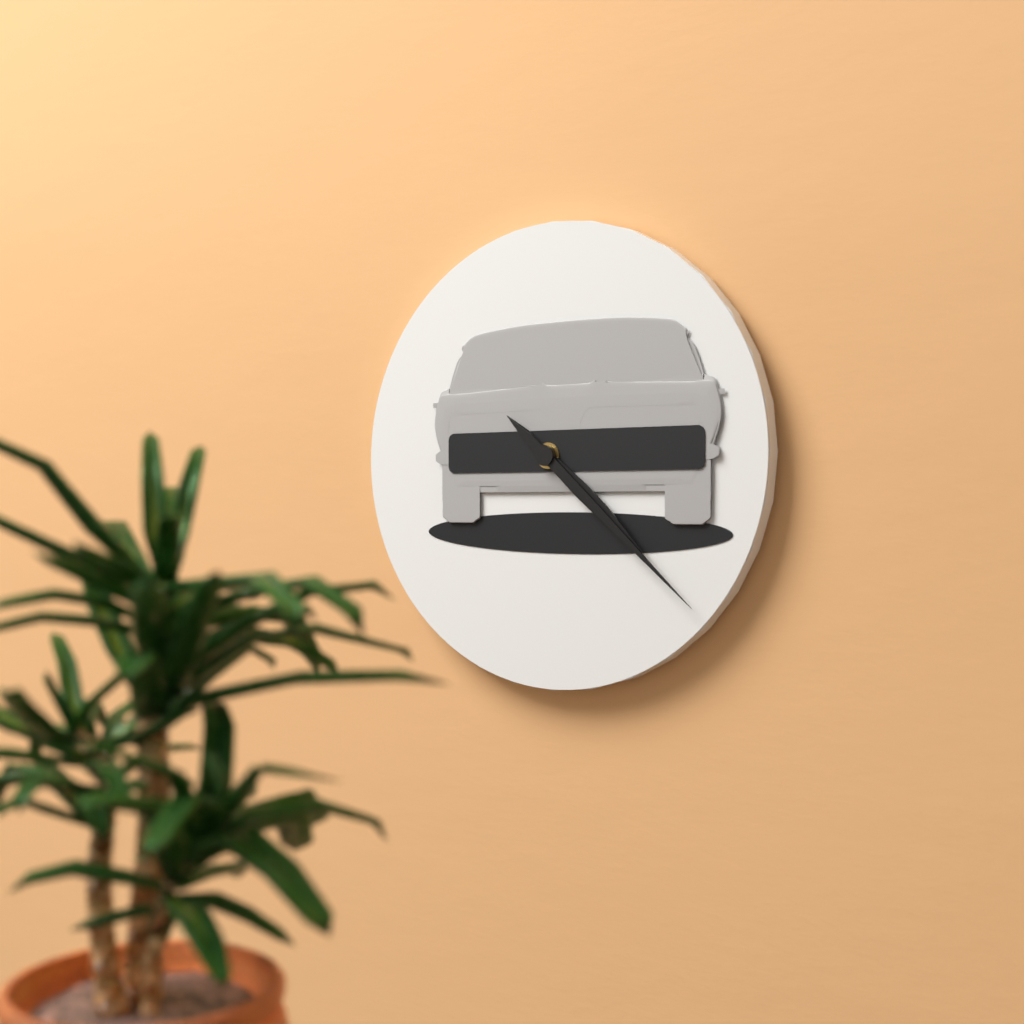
4.22
